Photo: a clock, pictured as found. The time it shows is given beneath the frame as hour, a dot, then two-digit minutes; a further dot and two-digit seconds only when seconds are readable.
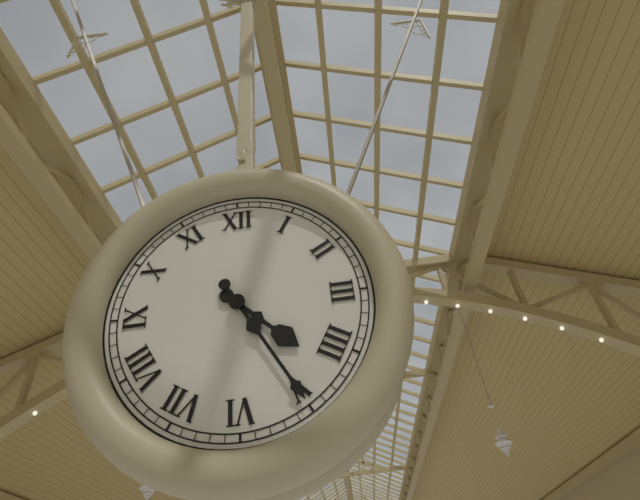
4.25
